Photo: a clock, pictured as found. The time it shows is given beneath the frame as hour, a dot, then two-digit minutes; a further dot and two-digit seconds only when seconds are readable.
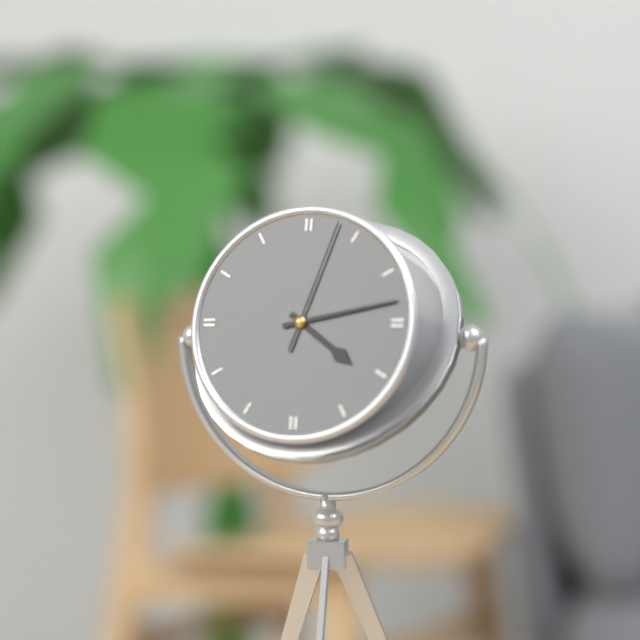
4.13.03
